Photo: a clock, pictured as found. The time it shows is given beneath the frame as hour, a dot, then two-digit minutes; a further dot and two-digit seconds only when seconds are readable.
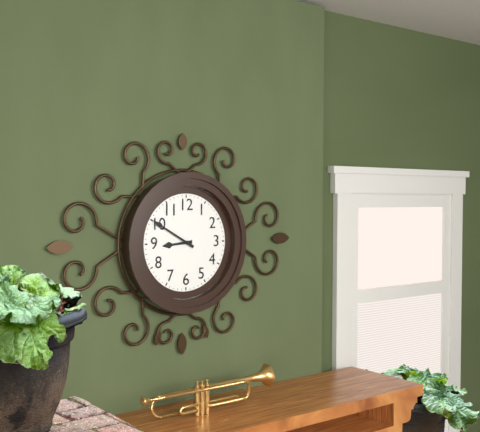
8.50
